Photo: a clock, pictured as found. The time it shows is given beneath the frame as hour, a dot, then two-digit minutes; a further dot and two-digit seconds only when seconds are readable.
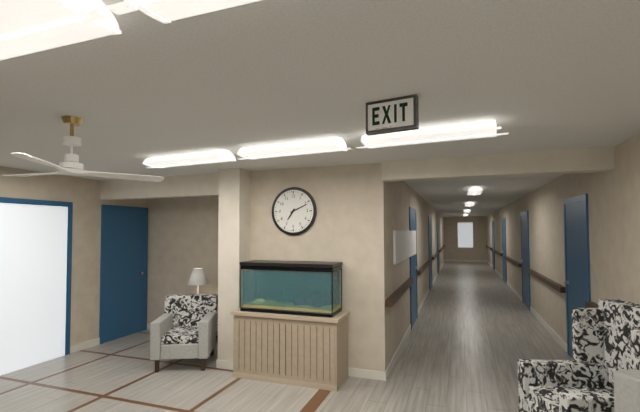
7.11
